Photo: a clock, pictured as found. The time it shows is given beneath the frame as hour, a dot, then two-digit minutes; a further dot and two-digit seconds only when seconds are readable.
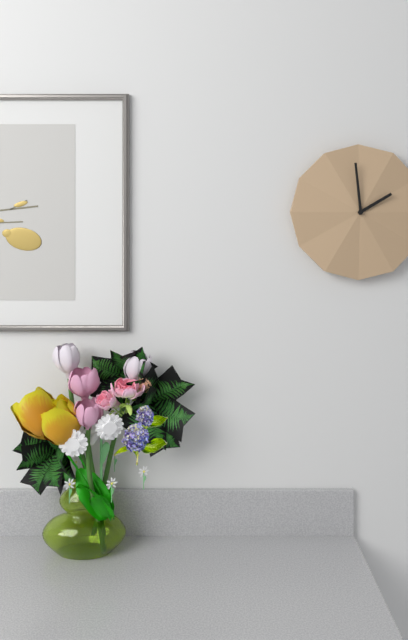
1.59
